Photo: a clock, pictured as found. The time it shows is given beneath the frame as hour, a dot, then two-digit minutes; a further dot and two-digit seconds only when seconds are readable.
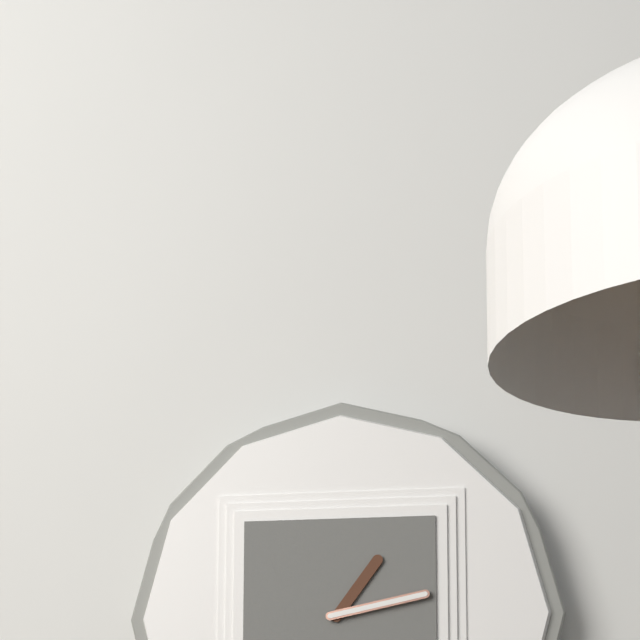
1.13
